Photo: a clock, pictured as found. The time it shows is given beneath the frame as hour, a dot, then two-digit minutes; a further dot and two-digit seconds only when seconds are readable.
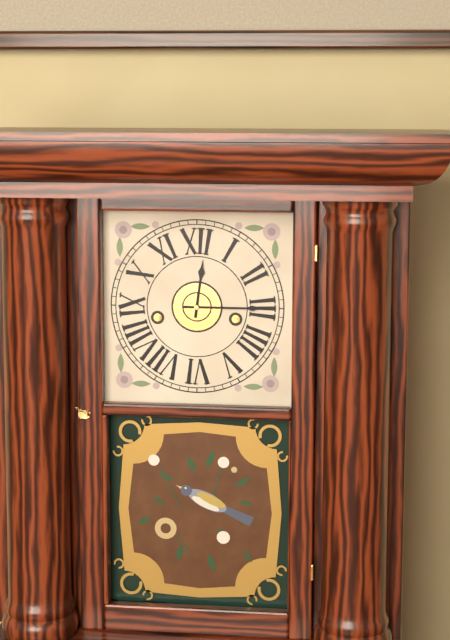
12.15
